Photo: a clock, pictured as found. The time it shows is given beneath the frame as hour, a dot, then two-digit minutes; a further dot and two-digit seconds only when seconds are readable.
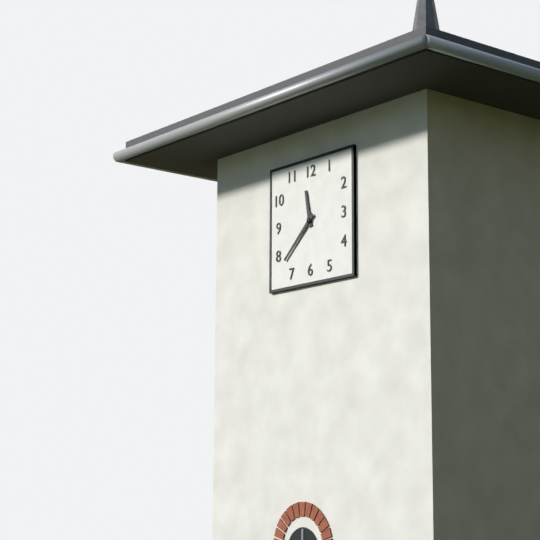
11.38
